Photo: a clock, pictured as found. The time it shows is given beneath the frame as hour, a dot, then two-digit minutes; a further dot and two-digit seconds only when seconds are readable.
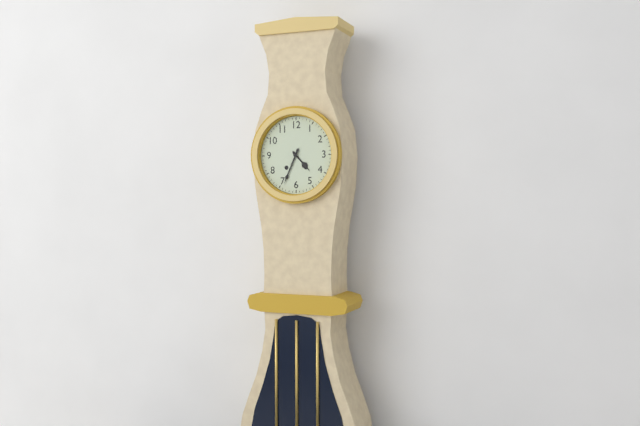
4.34
